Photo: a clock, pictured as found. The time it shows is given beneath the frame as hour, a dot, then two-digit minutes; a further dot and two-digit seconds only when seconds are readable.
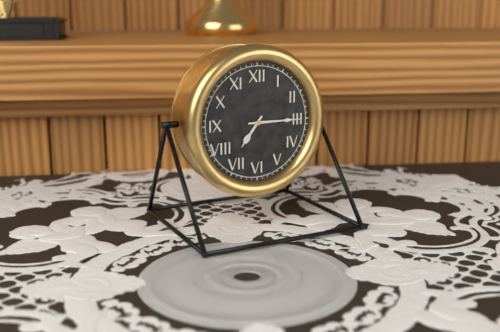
7.15
